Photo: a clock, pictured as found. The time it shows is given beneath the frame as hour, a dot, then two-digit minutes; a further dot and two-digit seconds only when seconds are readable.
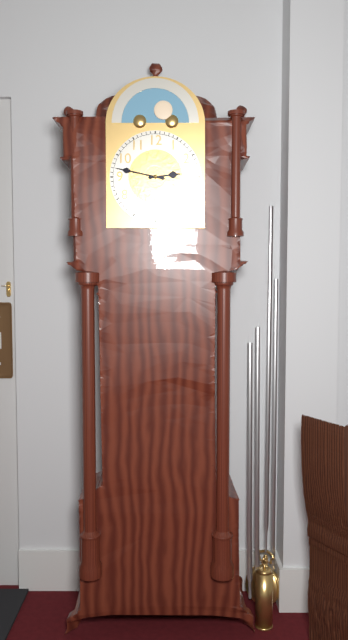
2.47
